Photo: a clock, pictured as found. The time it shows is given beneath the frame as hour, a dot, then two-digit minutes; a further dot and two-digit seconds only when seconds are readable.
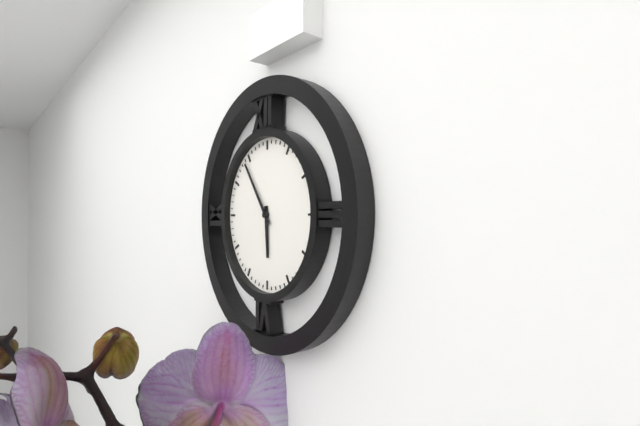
5.54
